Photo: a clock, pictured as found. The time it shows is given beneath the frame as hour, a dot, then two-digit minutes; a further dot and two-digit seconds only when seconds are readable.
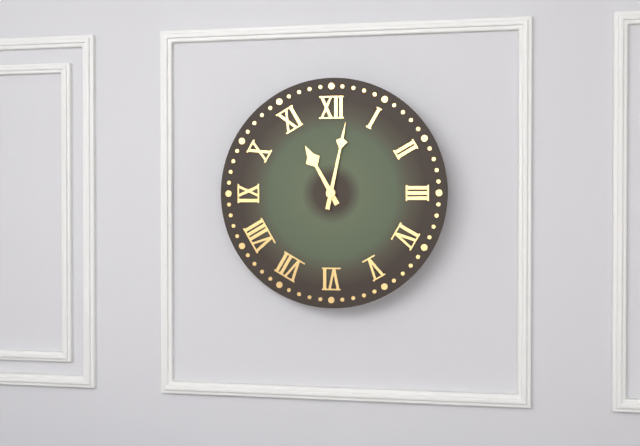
11.02
